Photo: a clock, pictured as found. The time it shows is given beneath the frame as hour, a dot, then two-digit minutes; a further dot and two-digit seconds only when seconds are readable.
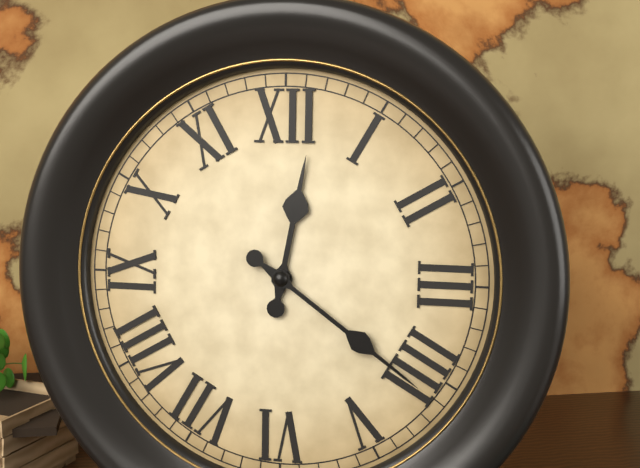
12.21
